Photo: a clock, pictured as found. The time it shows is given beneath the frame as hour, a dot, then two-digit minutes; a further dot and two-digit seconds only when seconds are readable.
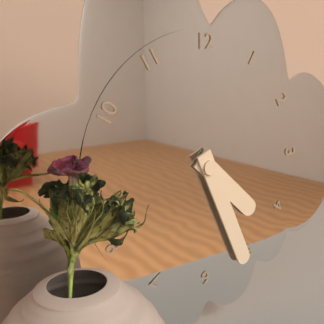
4.26
